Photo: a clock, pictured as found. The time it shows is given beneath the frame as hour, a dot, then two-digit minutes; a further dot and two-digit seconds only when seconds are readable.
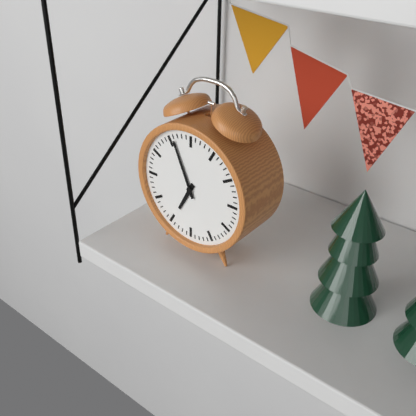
6.56
